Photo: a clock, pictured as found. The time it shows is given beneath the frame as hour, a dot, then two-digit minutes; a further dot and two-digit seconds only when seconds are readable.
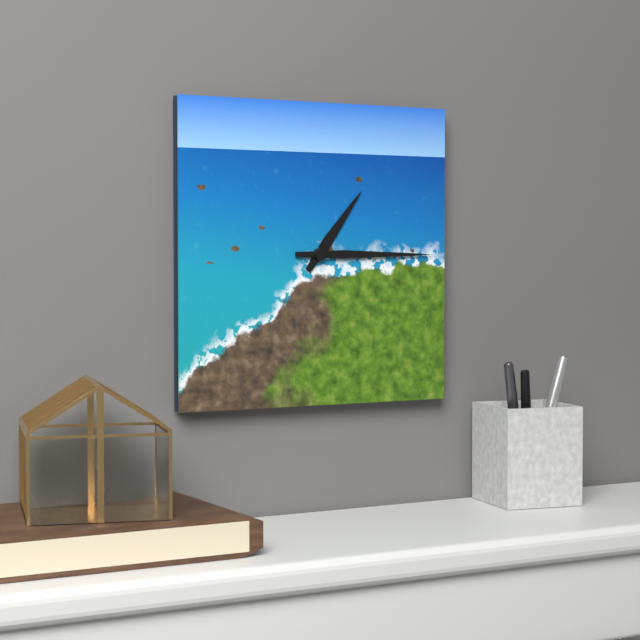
1.15
